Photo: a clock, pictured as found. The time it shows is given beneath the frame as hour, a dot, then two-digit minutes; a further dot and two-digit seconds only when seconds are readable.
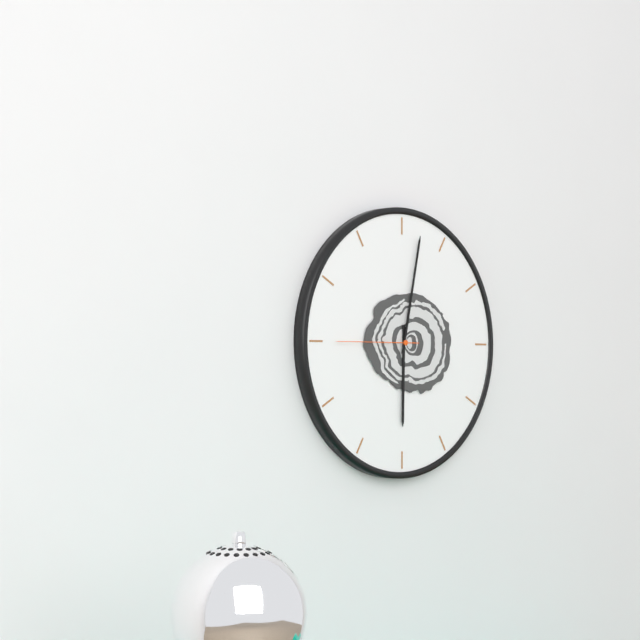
6.02.45
